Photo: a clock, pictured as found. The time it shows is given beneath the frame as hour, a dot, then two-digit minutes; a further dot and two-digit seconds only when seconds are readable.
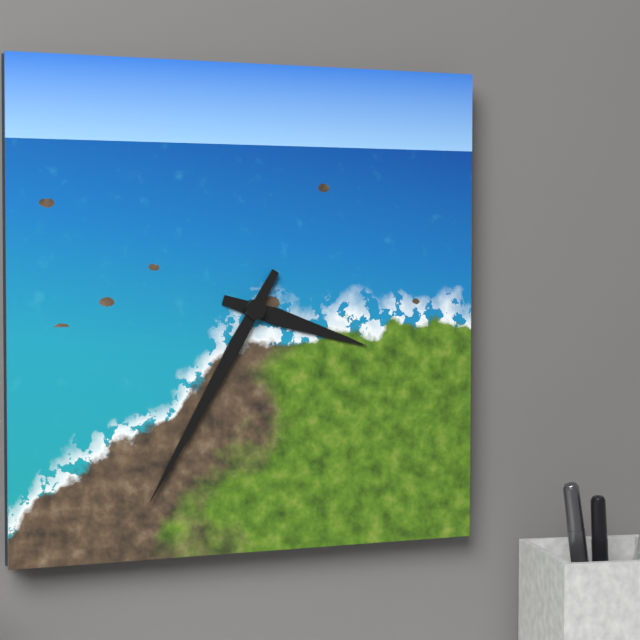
3.35
